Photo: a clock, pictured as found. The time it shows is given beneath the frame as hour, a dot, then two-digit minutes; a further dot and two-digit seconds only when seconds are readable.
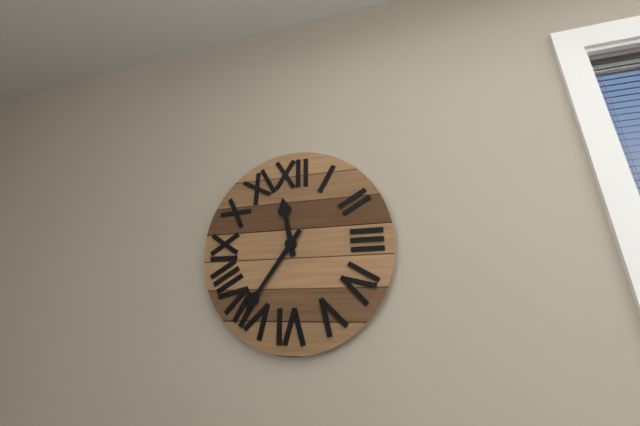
11.36
